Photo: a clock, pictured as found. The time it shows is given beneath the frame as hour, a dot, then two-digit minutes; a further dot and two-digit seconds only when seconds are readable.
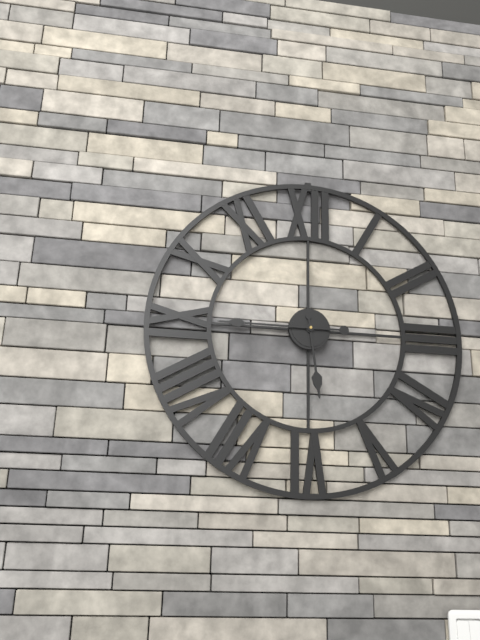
5.45
